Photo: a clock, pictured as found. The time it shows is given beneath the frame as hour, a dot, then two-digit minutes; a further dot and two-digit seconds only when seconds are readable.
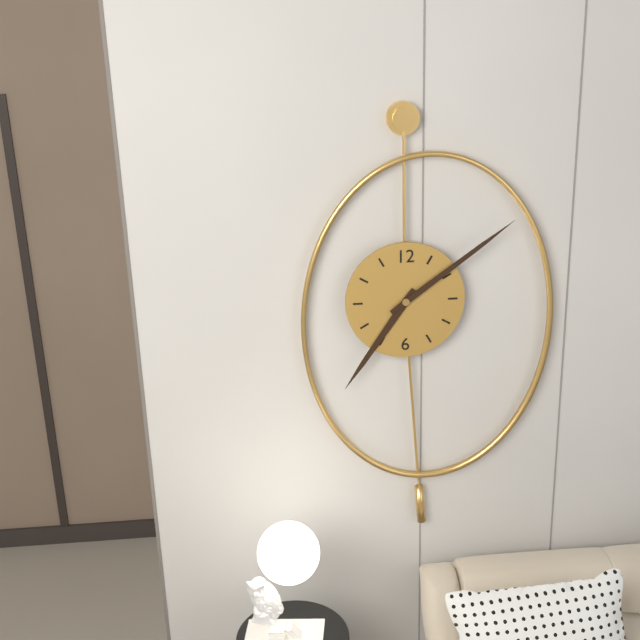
7.09
